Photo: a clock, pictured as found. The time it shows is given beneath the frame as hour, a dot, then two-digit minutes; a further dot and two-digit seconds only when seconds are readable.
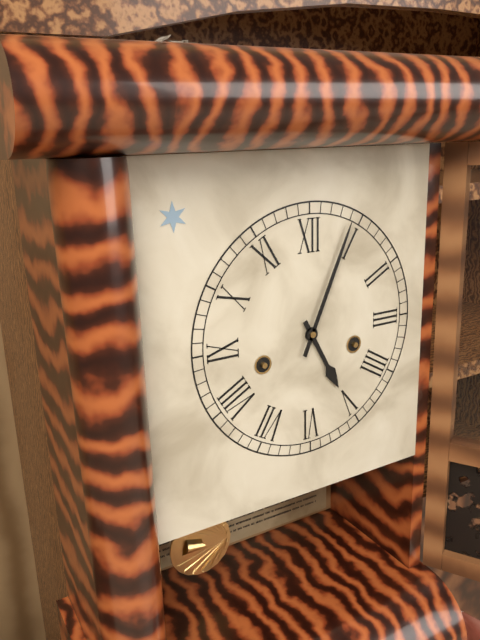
5.04
